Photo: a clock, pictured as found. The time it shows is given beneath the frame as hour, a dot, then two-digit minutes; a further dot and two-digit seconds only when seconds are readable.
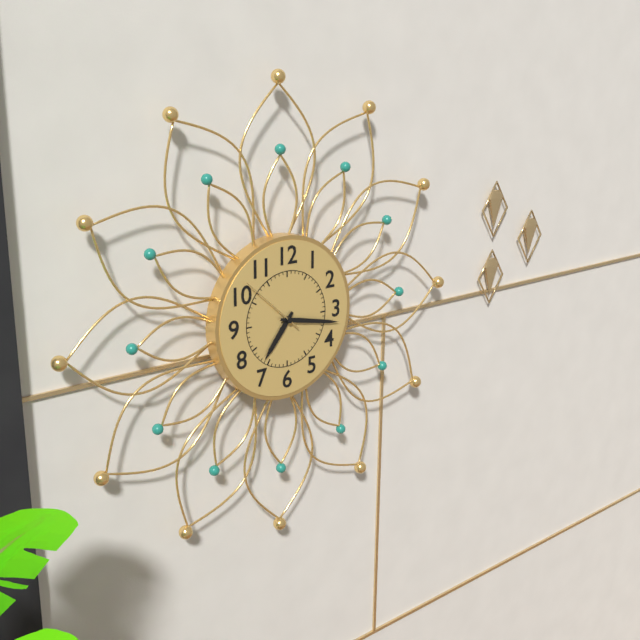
7.17.52
